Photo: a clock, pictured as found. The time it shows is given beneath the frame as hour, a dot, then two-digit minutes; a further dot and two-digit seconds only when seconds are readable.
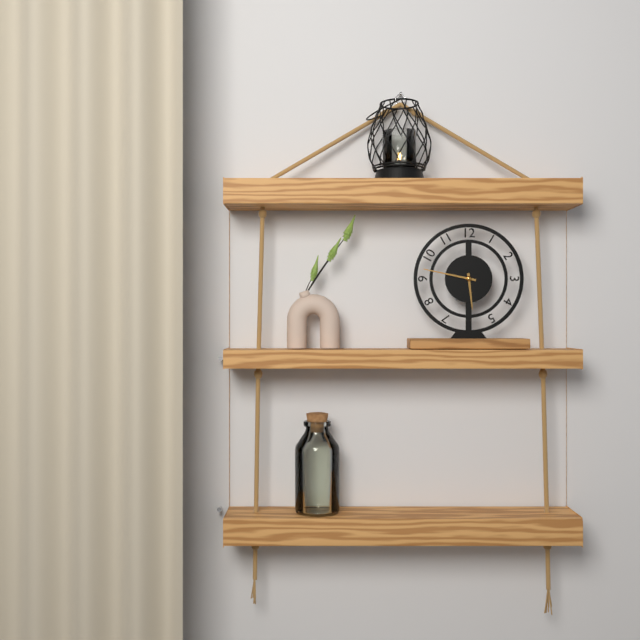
5.47
